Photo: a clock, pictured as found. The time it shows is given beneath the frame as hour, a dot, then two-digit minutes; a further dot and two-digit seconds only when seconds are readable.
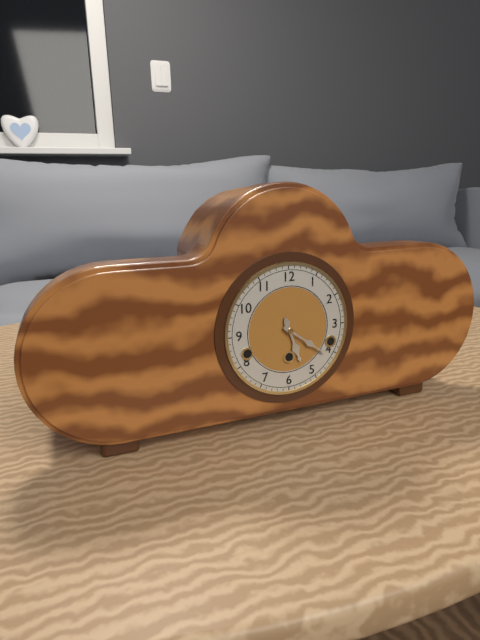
5.21
